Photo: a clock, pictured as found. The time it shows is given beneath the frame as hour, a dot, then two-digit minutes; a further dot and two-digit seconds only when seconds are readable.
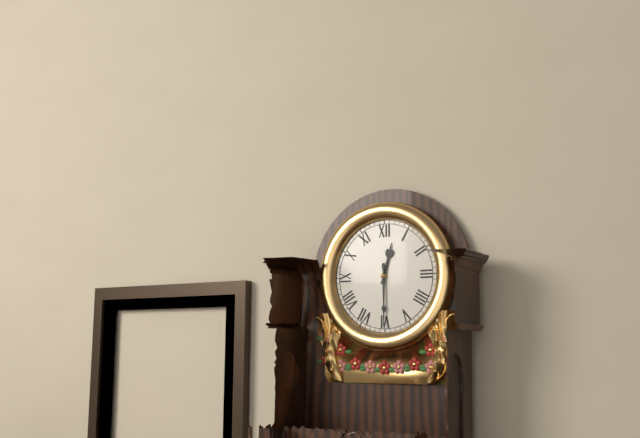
12.30
